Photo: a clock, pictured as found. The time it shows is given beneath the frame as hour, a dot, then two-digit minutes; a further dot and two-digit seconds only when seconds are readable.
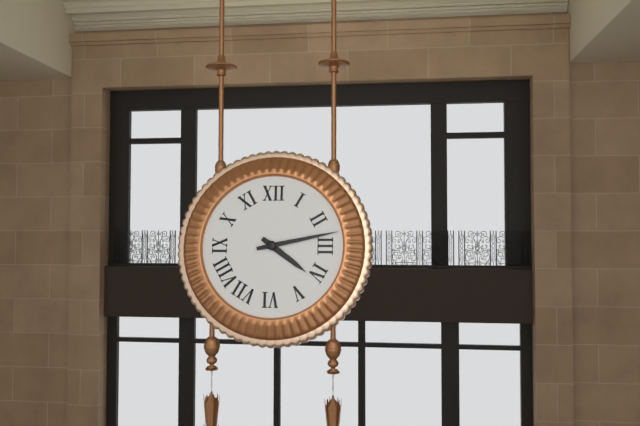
4.13
